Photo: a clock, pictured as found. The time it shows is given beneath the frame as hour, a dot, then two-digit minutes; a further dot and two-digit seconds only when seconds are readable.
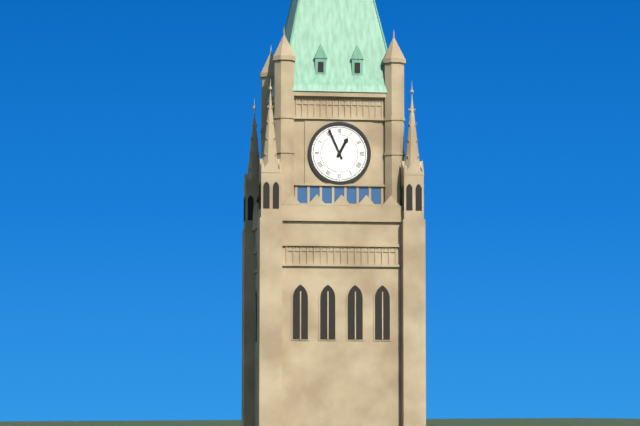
12.56
